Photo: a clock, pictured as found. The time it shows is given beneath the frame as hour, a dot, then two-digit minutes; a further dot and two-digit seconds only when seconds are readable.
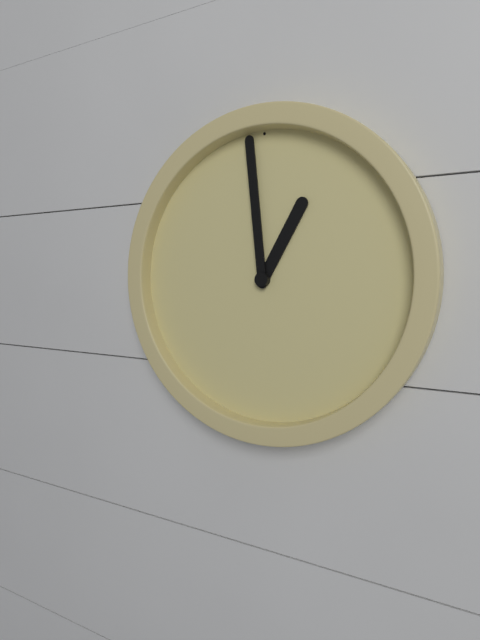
12.59
